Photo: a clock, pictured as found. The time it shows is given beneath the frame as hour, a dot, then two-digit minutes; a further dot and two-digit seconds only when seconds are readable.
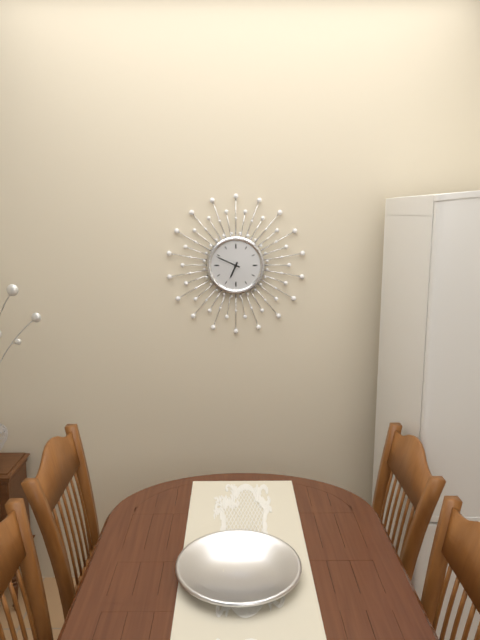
6.49
